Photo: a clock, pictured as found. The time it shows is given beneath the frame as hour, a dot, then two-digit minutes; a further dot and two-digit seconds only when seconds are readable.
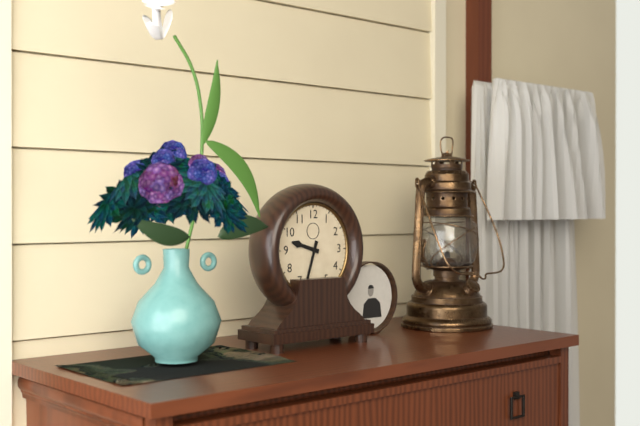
9.33
